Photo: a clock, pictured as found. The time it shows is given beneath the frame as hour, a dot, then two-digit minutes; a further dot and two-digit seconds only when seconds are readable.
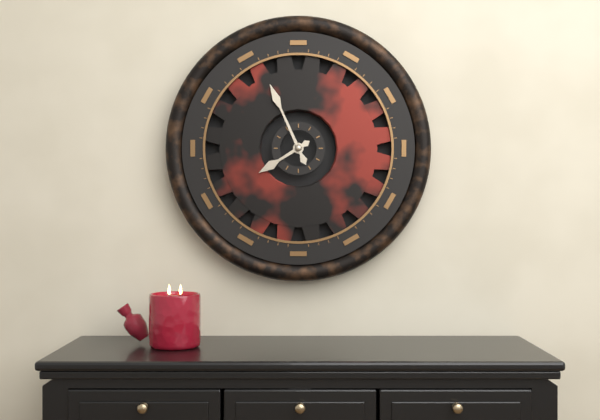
7.56
